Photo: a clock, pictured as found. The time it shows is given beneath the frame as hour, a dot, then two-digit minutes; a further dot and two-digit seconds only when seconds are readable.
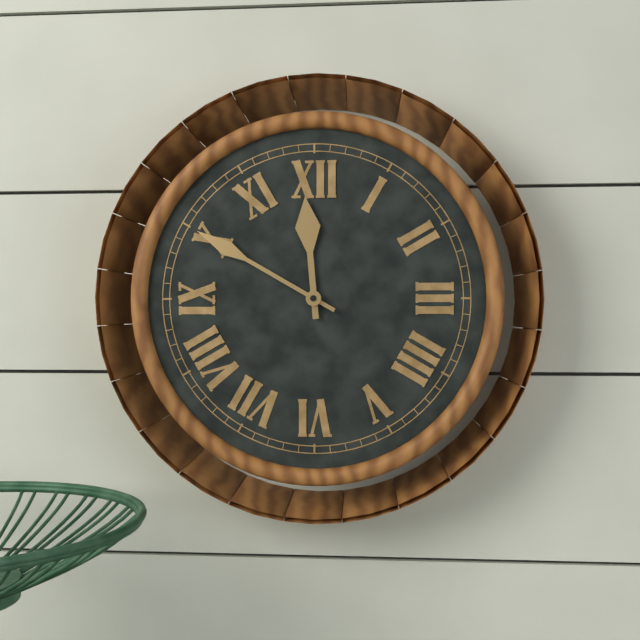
11.50
